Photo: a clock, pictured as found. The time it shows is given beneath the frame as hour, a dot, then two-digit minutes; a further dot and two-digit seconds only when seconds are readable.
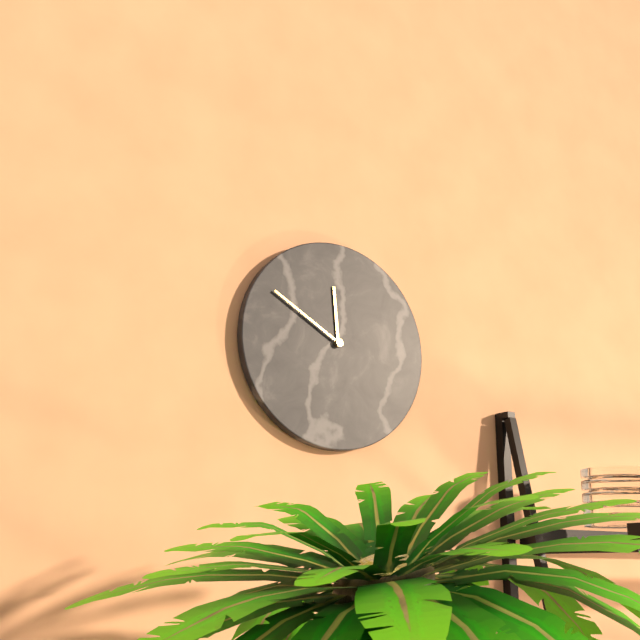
11.50
